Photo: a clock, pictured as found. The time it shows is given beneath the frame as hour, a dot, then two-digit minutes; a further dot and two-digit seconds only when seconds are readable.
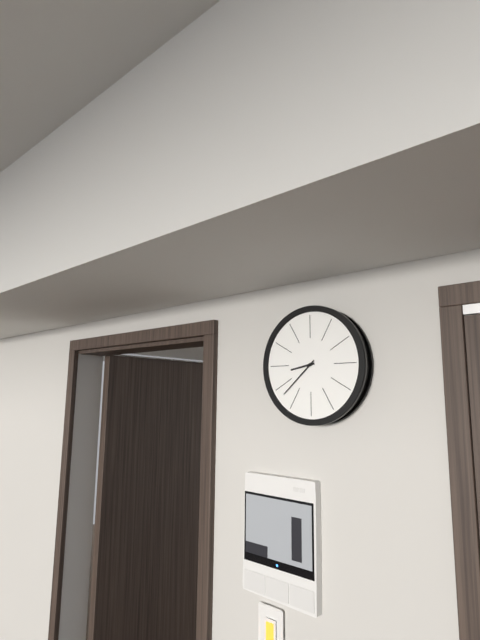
8.38
